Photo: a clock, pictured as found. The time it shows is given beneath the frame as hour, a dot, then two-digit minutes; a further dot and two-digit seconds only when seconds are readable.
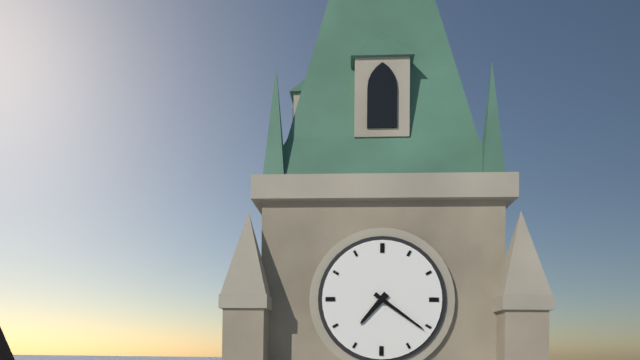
7.21
